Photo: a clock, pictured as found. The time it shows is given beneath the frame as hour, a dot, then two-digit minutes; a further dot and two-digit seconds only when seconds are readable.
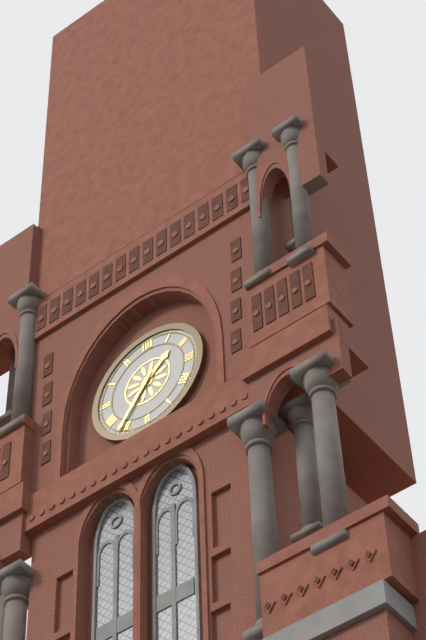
1.36
